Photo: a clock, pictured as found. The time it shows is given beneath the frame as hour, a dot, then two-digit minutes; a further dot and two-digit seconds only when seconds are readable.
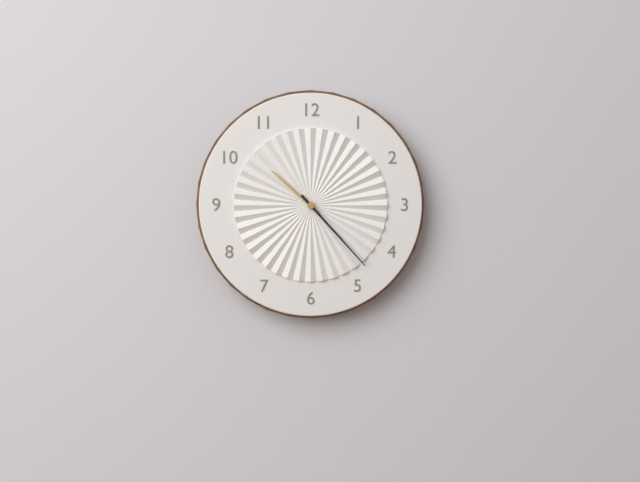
10.23
